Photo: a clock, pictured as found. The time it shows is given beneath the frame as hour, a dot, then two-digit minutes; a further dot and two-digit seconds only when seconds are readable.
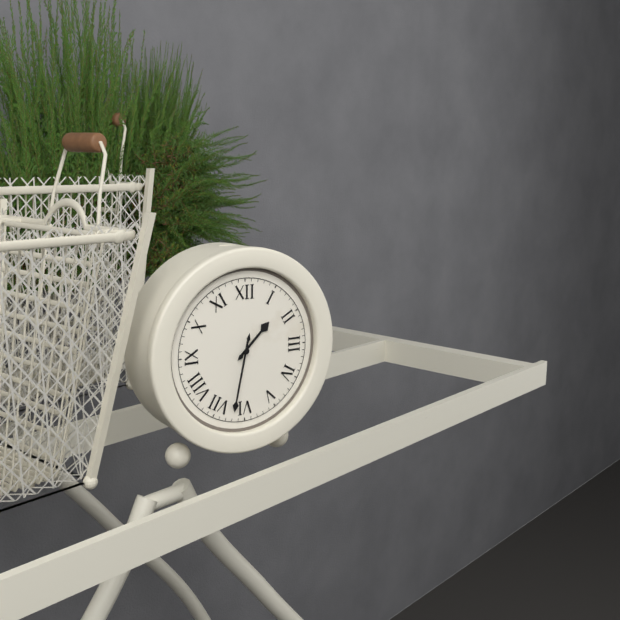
1.32
